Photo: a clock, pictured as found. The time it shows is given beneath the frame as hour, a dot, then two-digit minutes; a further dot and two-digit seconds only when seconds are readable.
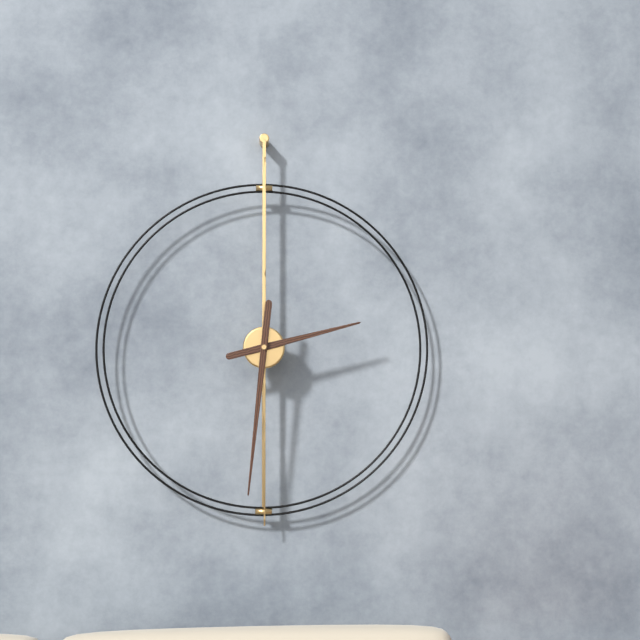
2.31
